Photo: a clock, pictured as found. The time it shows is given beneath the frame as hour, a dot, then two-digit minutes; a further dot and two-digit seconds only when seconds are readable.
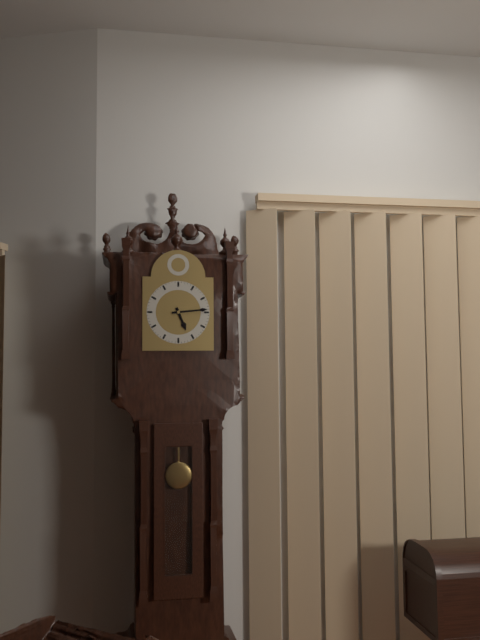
5.14
